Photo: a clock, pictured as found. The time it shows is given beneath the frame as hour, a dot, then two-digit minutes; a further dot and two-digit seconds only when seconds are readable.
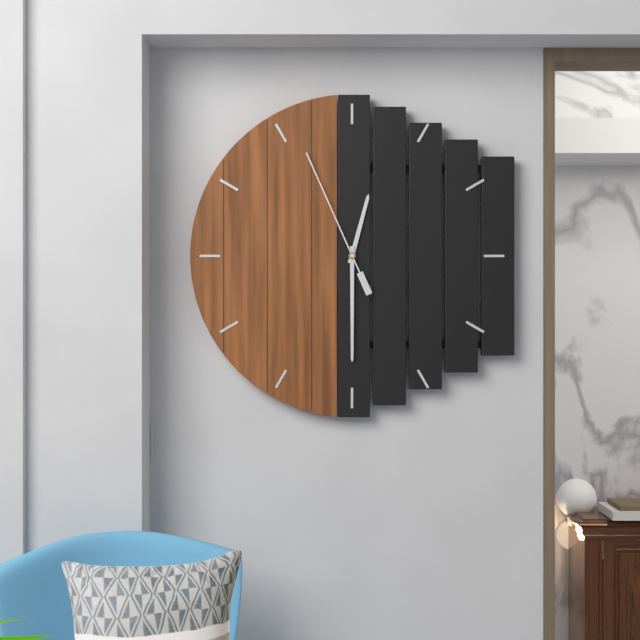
12.30.56
